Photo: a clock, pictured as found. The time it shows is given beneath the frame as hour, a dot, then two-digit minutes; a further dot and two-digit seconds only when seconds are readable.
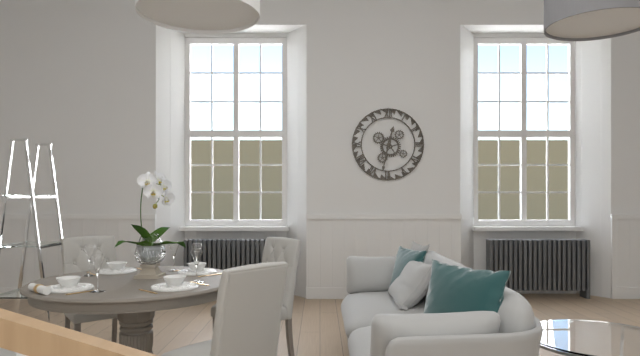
12.32
